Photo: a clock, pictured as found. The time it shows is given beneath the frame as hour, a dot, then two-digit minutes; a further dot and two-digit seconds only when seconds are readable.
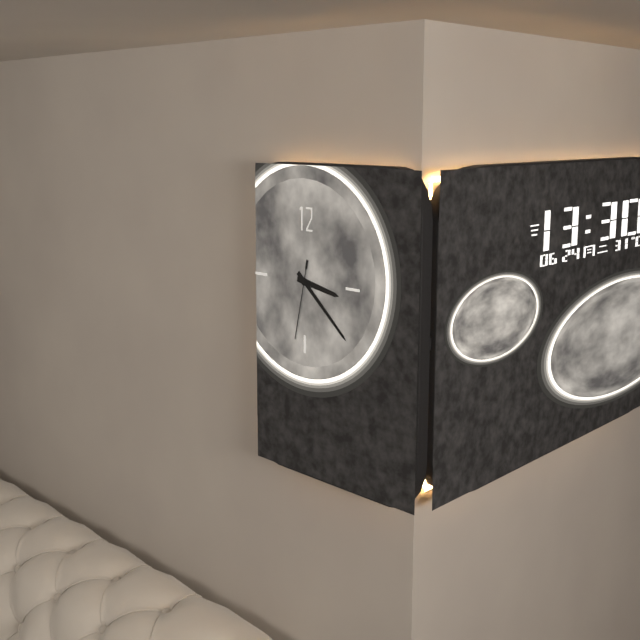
3.22.32
